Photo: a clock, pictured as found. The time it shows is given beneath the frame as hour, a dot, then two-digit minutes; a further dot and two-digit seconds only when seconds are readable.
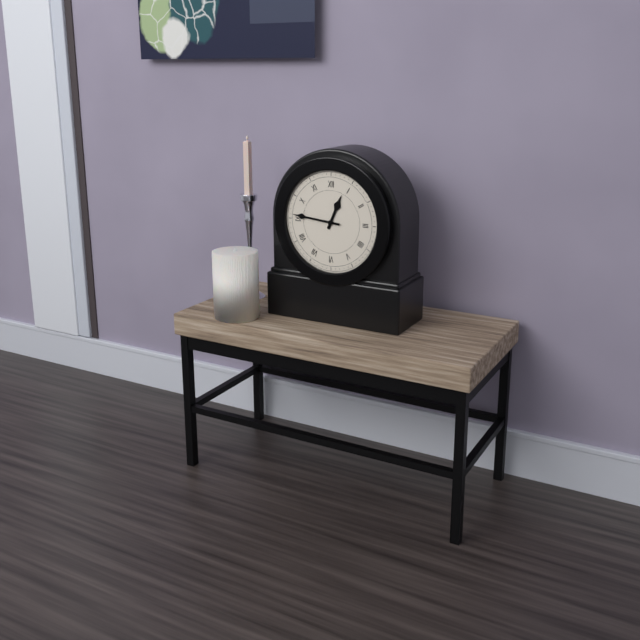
12.46
